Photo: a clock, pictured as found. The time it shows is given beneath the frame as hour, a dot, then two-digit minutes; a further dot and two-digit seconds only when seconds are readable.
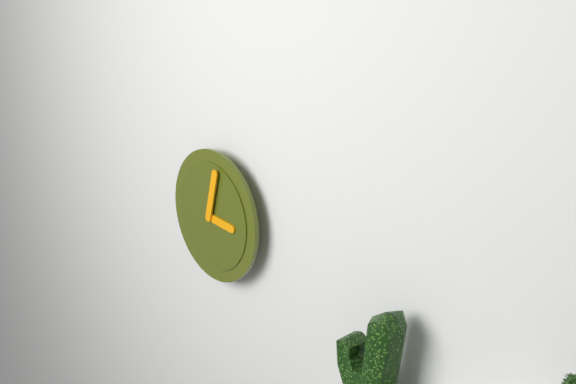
3.02
